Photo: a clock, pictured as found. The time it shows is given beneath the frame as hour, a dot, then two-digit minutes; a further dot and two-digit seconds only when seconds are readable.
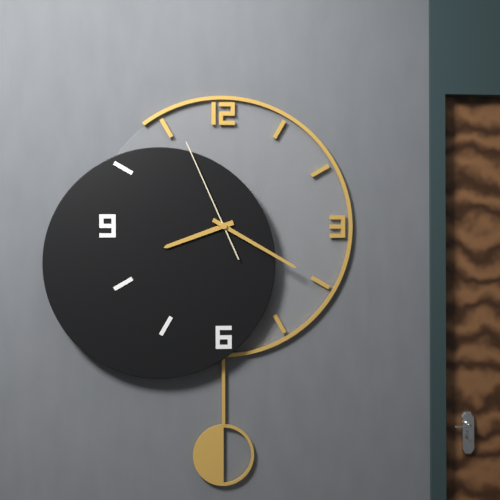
8.20.56
